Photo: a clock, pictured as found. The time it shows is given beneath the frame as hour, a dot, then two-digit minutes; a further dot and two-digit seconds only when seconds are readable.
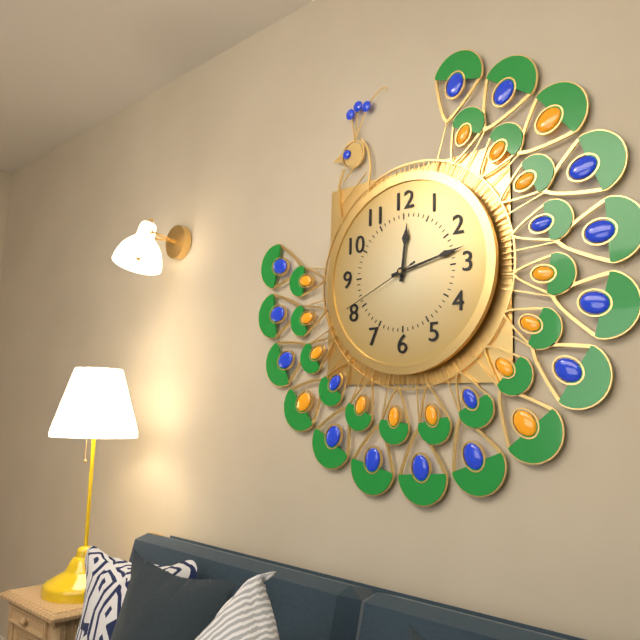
12.13.41
